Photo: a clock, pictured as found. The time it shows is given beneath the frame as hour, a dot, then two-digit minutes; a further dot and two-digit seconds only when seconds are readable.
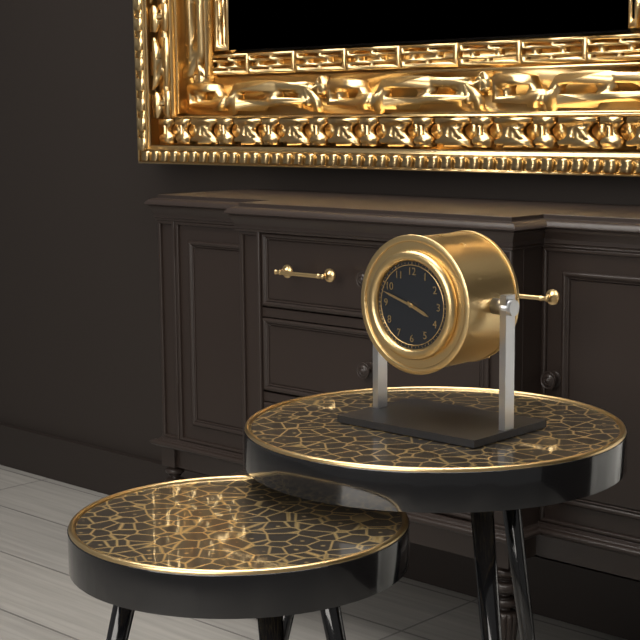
3.48
